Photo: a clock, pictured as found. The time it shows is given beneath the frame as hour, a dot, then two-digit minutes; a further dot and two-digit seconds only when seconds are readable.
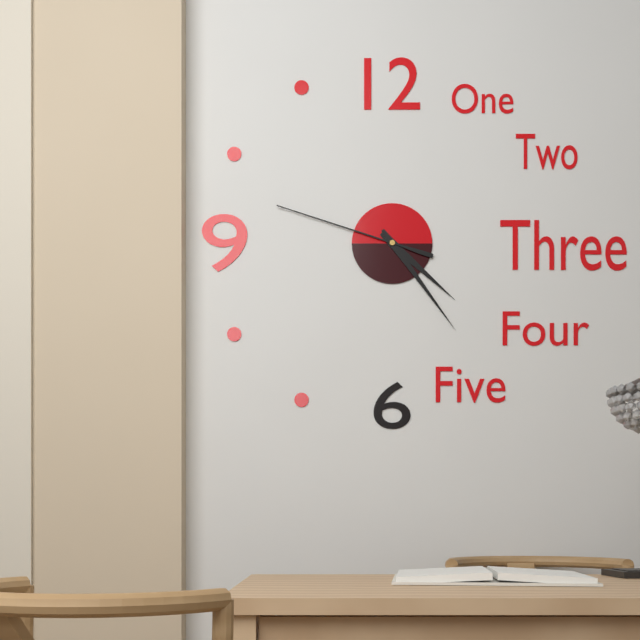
4.24.48
